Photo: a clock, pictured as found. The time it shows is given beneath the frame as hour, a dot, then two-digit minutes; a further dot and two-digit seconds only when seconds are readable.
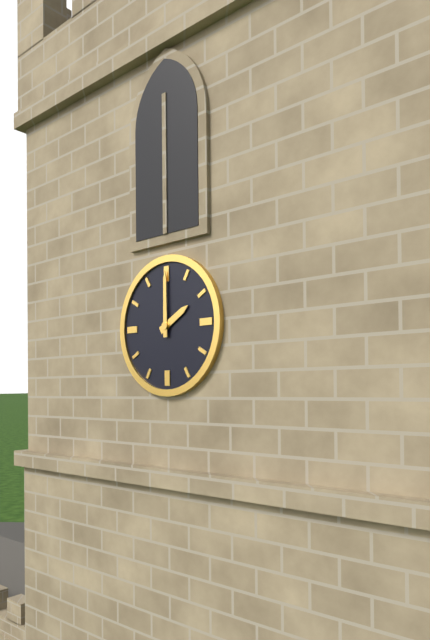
2.00
